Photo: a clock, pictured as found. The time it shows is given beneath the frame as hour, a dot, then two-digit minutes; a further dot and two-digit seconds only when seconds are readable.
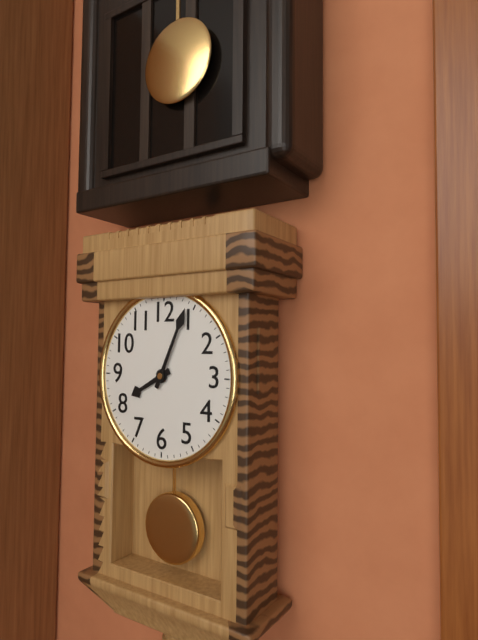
8.04
